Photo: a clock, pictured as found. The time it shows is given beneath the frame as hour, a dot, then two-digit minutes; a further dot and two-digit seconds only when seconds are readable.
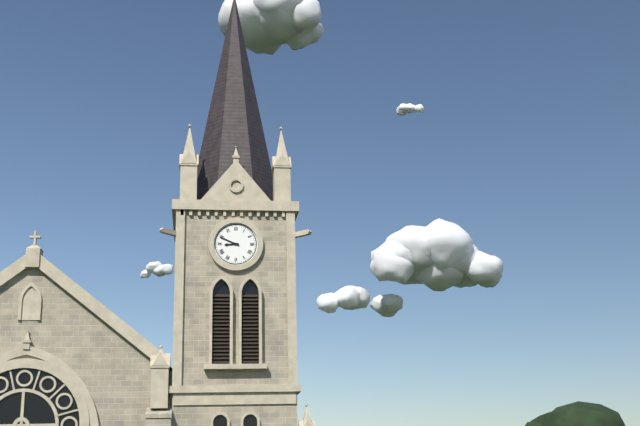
8.49
